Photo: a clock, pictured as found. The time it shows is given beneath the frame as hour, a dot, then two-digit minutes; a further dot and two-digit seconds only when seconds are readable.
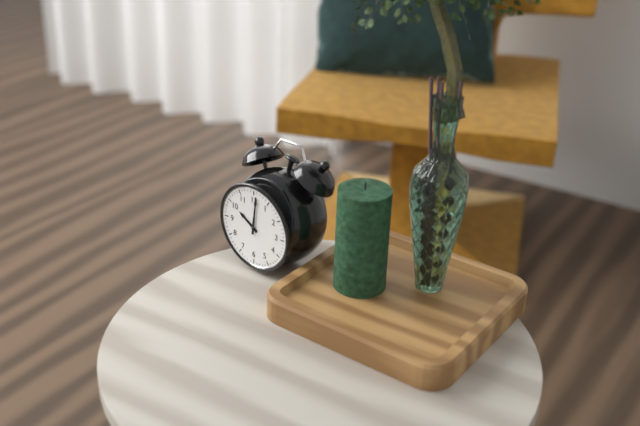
10.01
